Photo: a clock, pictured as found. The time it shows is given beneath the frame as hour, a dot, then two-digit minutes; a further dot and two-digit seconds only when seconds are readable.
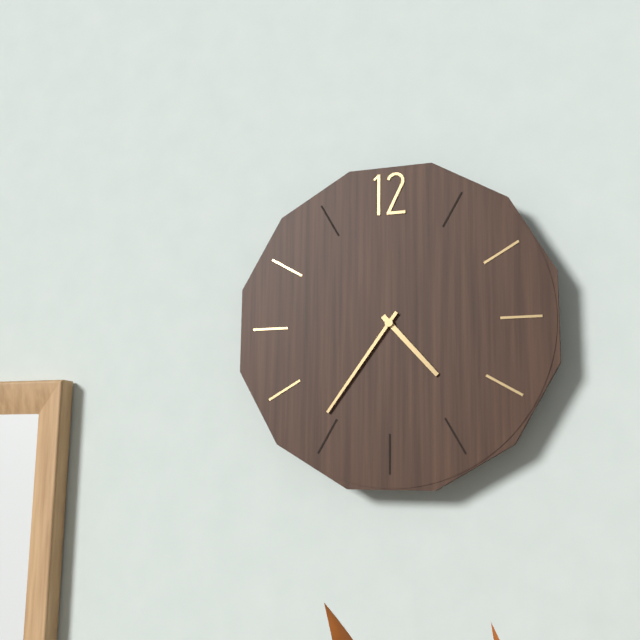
4.36
